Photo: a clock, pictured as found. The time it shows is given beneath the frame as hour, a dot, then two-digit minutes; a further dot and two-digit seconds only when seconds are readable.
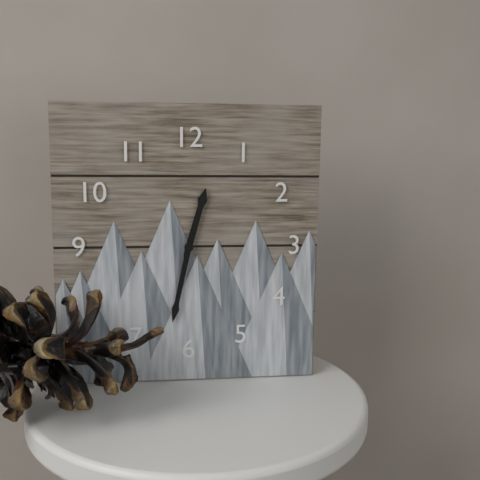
12.32
